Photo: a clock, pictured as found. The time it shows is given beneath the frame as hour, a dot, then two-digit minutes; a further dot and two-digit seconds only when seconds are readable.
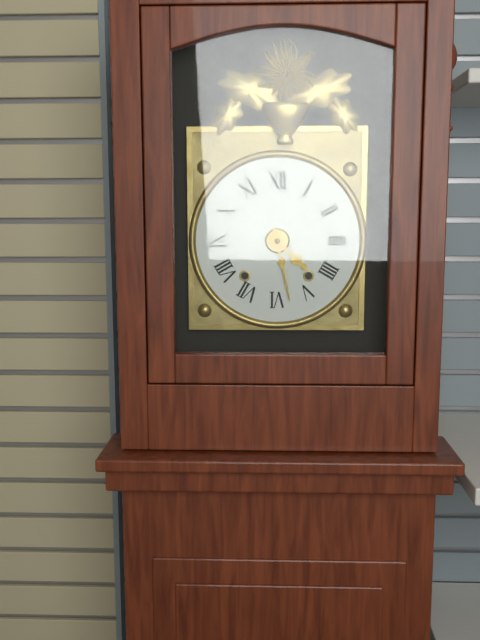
4.28
